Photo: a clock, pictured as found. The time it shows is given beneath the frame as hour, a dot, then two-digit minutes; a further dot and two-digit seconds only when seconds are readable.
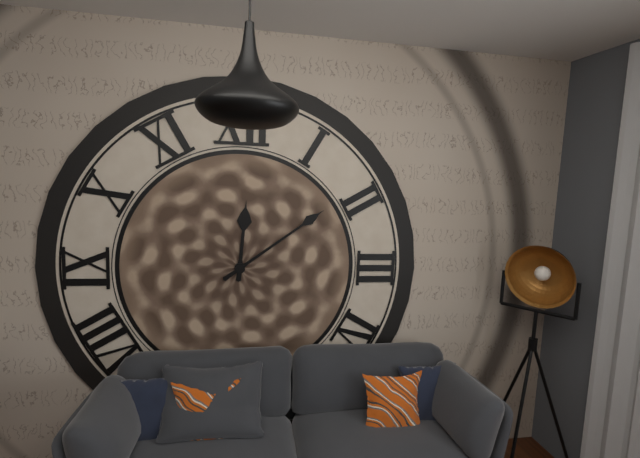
12.09
